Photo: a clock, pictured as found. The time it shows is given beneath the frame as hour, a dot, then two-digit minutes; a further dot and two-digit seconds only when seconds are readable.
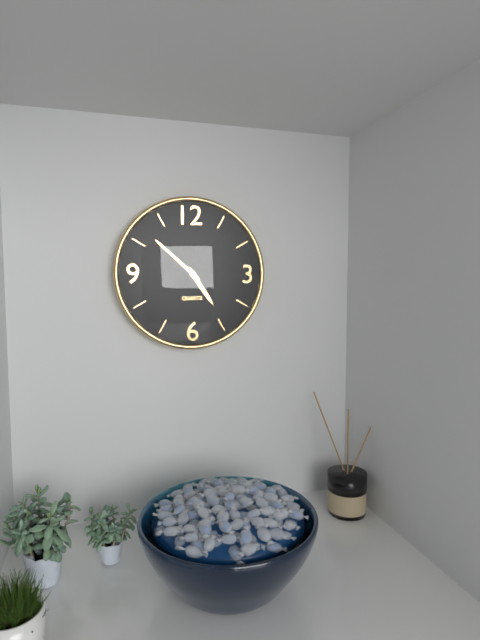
4.52
